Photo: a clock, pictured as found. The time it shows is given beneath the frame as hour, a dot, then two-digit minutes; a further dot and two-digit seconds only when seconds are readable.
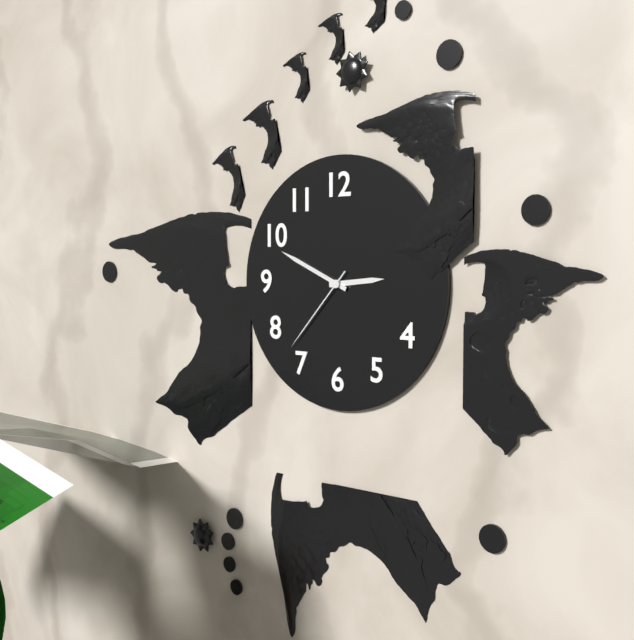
2.49.37
